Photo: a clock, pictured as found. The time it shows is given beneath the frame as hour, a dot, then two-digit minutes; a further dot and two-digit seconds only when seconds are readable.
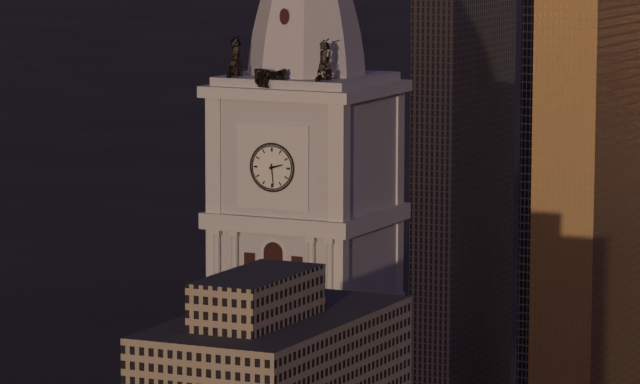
2.29
